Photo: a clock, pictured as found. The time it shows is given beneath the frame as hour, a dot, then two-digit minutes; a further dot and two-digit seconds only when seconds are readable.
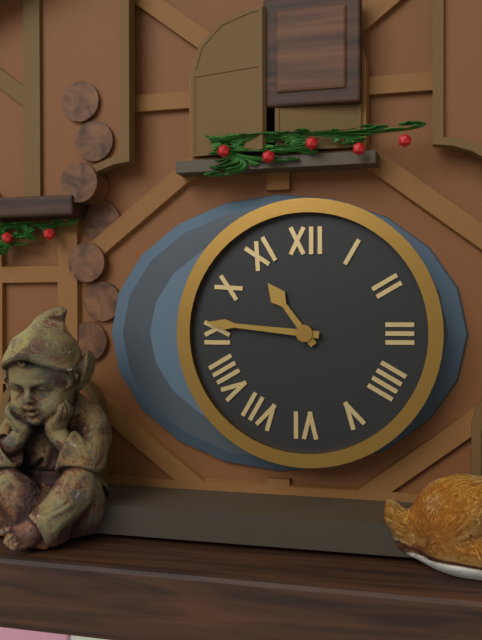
10.46
